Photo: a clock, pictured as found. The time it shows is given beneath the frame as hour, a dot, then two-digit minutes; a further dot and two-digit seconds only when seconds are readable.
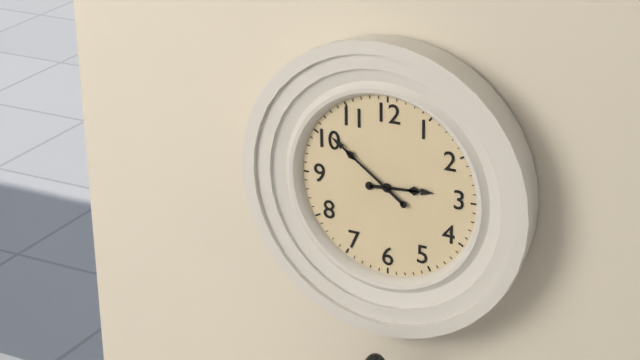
2.51
